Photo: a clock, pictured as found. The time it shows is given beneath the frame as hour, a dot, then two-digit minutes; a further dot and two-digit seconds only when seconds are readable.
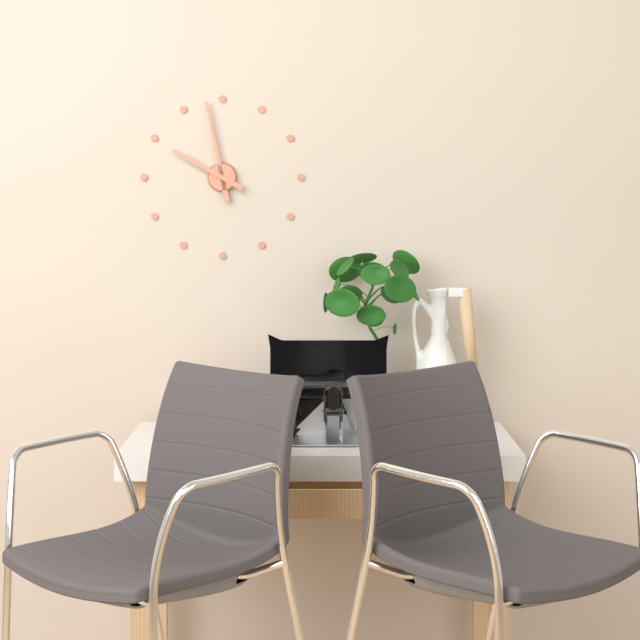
9.58
